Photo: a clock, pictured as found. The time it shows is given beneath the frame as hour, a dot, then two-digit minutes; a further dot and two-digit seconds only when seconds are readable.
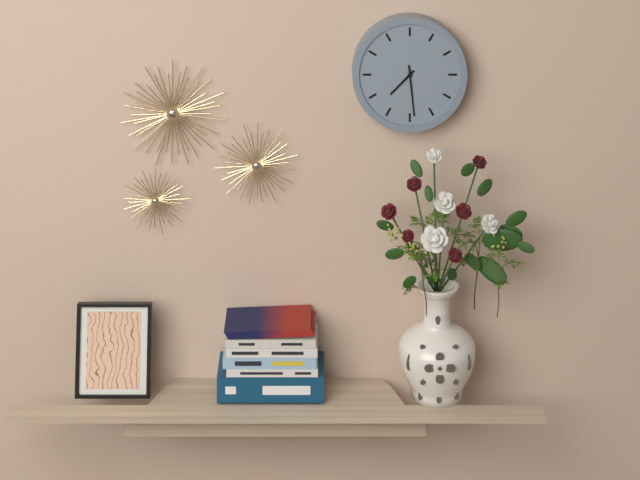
7.29
